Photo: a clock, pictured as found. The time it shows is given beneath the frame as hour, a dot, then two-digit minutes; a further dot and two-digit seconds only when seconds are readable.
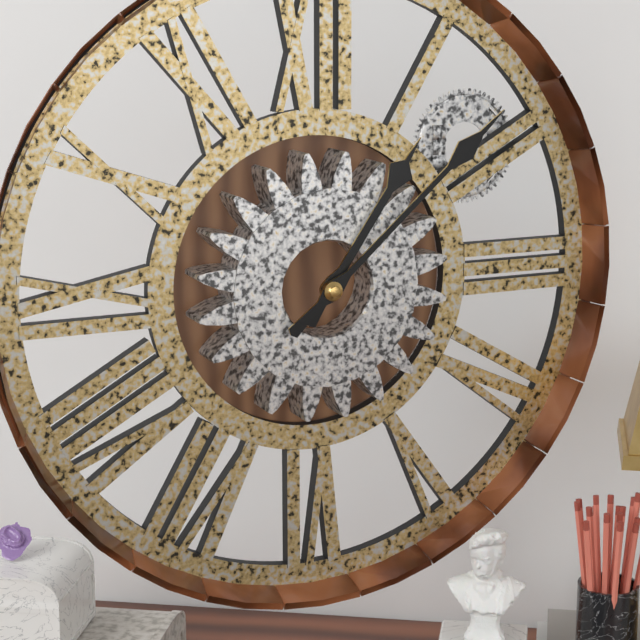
1.08
